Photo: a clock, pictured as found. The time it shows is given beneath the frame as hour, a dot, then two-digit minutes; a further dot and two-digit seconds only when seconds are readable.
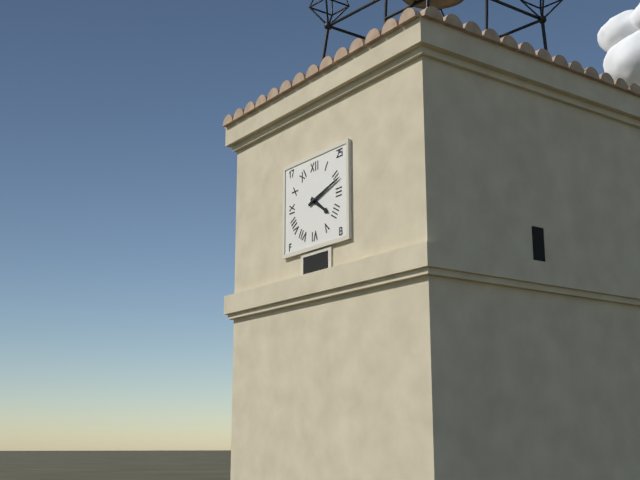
4.12
